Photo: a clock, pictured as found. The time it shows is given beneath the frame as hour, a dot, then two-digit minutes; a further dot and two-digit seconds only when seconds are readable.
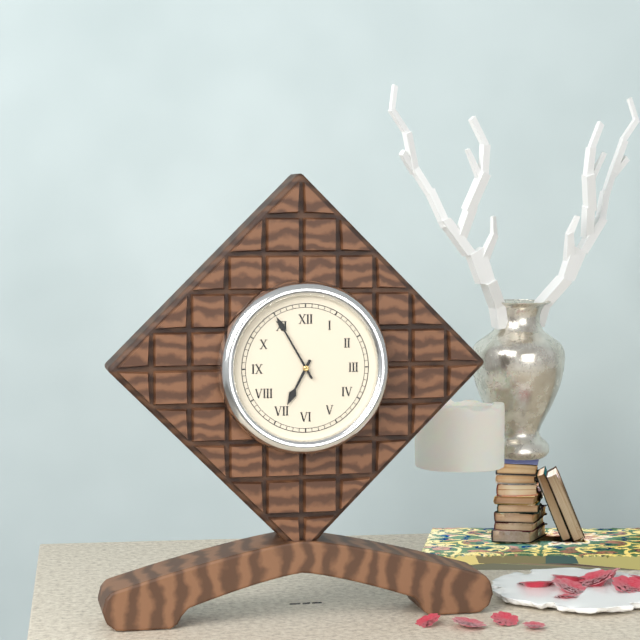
6.55
